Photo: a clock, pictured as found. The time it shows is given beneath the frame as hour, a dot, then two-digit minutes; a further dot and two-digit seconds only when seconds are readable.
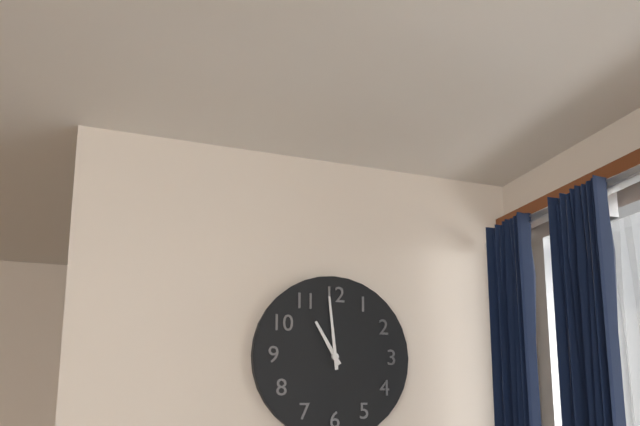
10.59
